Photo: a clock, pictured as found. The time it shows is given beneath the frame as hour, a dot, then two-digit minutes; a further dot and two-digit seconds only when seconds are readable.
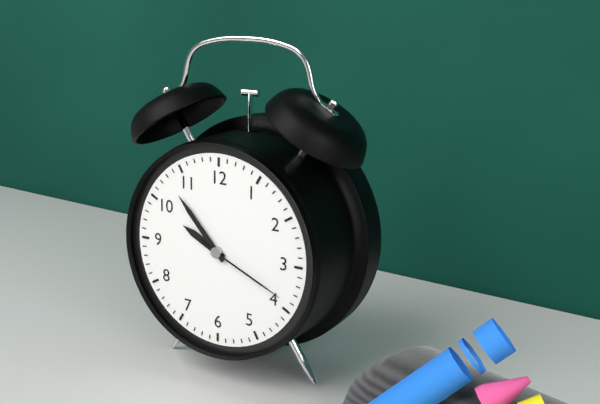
9.53.19
